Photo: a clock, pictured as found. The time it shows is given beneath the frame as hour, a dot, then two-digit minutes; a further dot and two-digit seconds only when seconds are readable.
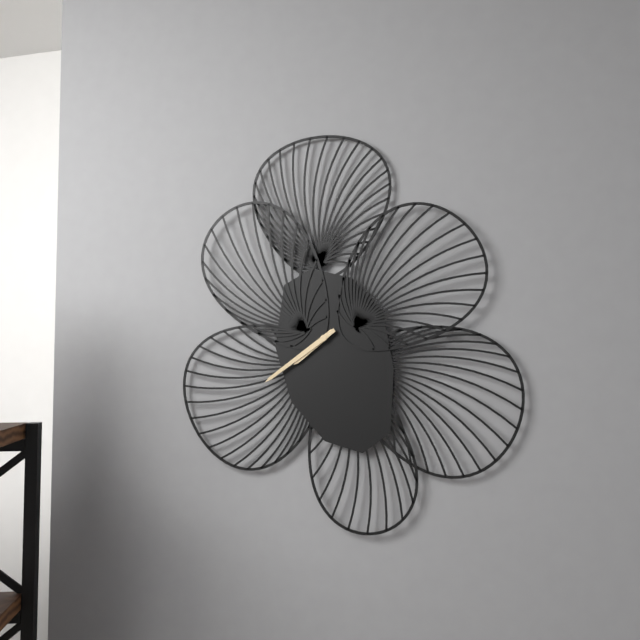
7.39
